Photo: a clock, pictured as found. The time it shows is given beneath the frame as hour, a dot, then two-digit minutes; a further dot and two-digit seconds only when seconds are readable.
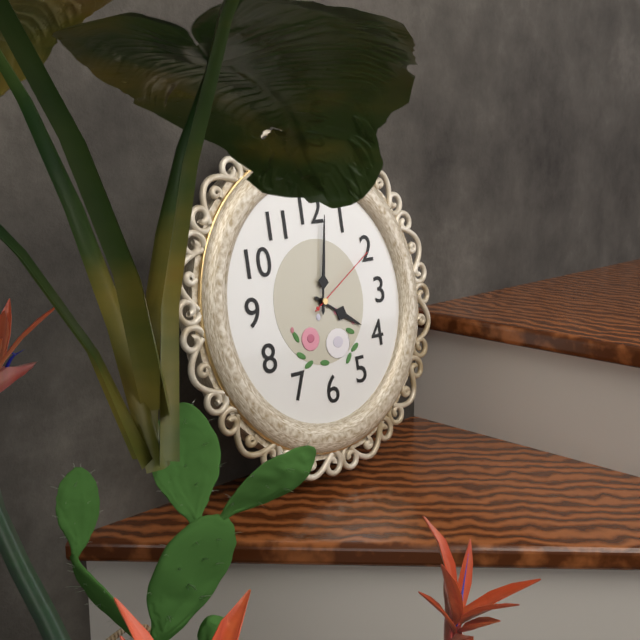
4.02.10
